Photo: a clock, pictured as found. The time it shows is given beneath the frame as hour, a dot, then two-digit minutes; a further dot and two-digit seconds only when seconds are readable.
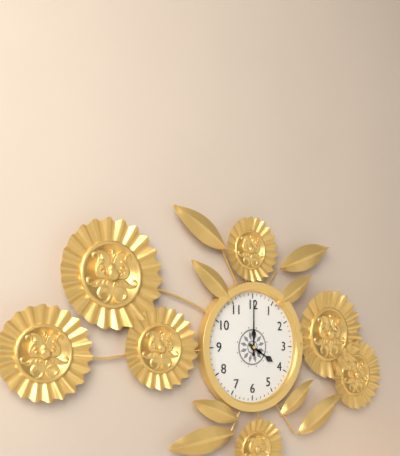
4.00
